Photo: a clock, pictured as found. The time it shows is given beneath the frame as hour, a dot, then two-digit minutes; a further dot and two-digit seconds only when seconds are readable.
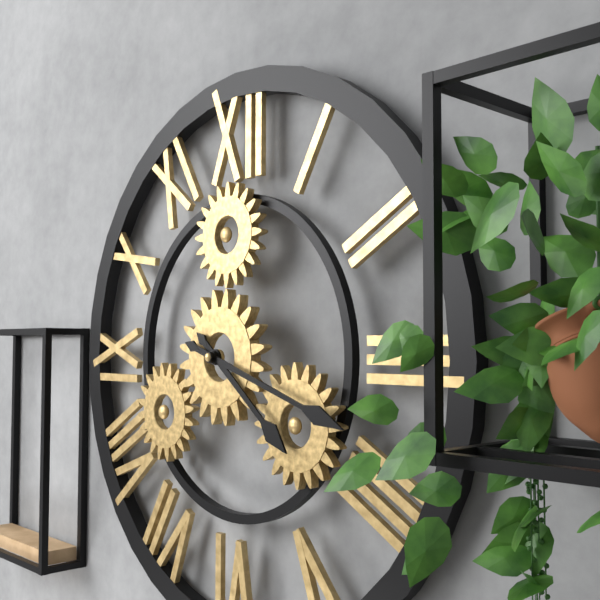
4.18
